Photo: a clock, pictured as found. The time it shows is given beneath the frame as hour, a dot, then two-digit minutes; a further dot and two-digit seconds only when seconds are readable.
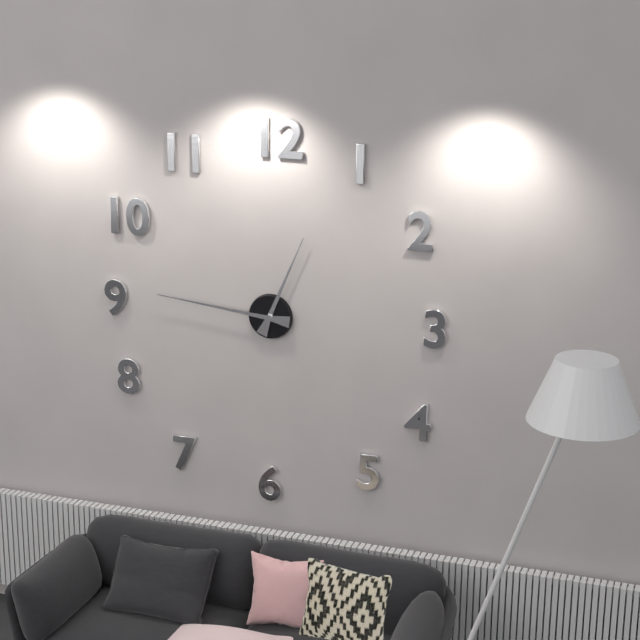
12.46
